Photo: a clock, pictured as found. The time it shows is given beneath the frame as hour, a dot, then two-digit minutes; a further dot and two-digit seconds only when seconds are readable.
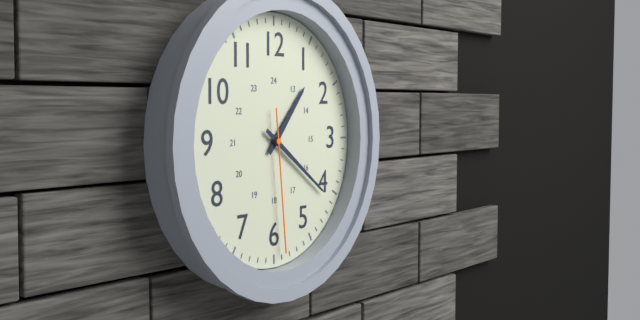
1.21.29
